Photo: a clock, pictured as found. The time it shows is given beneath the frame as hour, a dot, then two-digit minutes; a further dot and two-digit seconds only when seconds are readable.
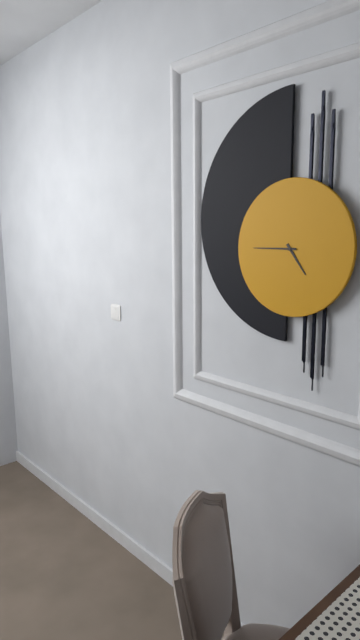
4.45
